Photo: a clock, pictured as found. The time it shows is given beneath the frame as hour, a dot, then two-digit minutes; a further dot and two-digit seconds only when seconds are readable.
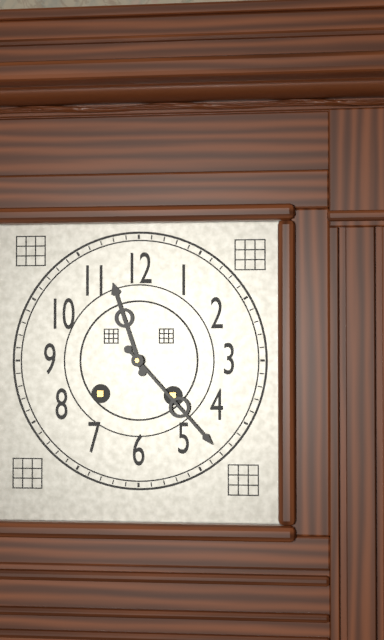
11.23
